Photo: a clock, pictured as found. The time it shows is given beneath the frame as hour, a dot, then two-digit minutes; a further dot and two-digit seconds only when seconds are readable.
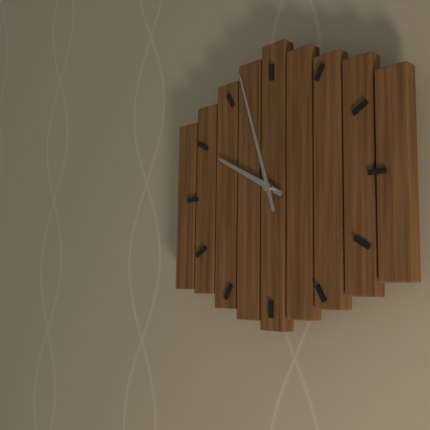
9.57
